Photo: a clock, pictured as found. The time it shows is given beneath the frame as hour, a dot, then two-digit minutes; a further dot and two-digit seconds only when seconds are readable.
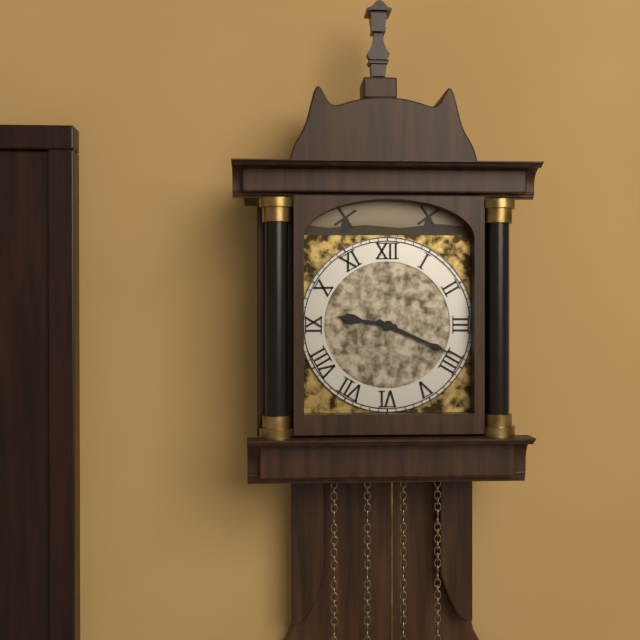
9.19
